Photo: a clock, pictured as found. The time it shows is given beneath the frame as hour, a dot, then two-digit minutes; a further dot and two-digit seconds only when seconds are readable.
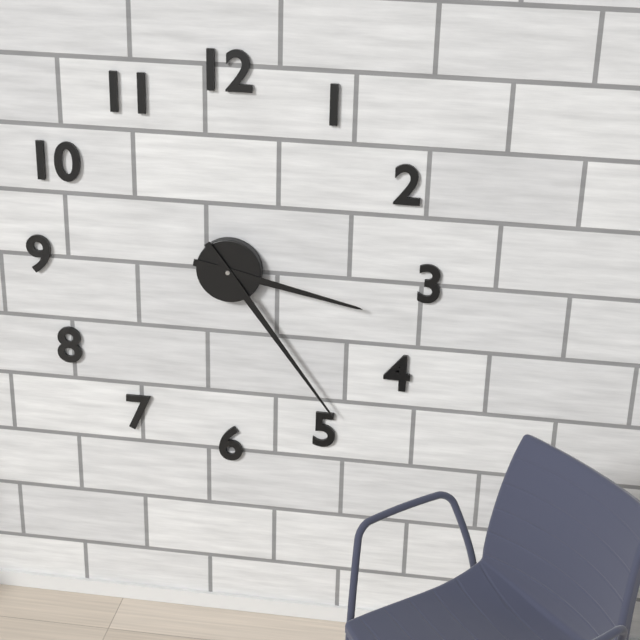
3.24
